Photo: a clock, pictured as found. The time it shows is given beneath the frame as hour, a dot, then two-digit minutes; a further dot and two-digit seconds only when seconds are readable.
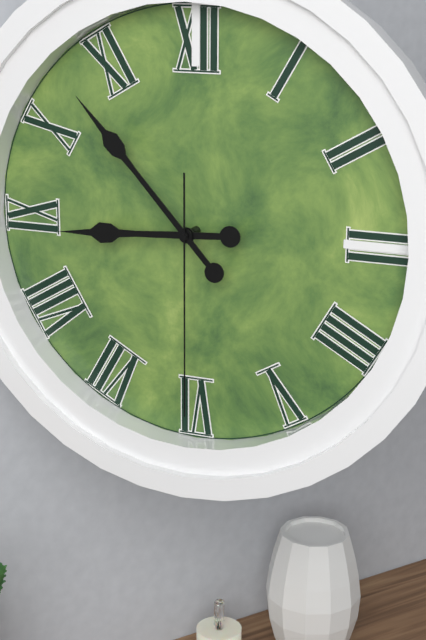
8.53.30
